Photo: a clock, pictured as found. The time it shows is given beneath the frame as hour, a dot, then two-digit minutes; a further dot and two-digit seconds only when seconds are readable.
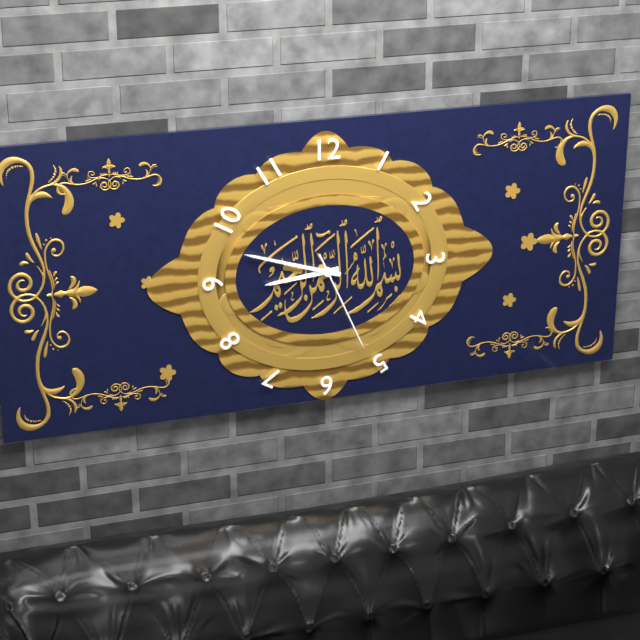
8.48.26
